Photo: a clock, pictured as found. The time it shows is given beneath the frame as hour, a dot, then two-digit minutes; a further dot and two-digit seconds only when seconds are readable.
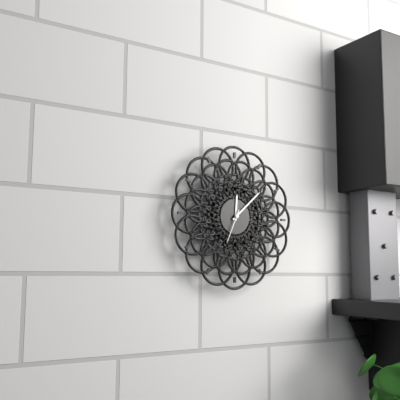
12.08
